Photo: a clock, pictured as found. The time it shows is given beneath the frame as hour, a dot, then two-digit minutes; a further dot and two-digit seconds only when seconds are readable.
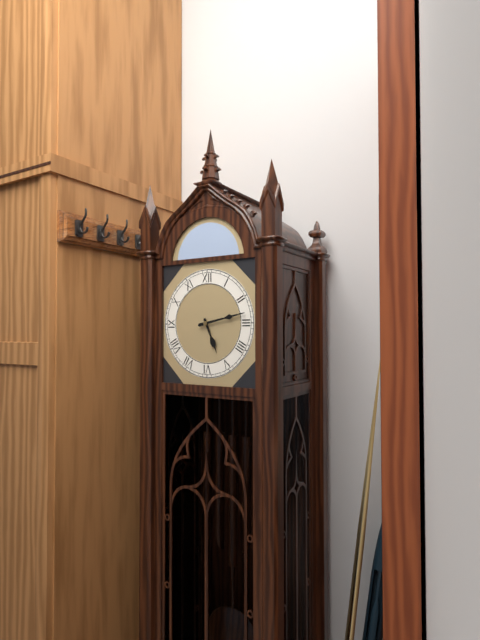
5.13
